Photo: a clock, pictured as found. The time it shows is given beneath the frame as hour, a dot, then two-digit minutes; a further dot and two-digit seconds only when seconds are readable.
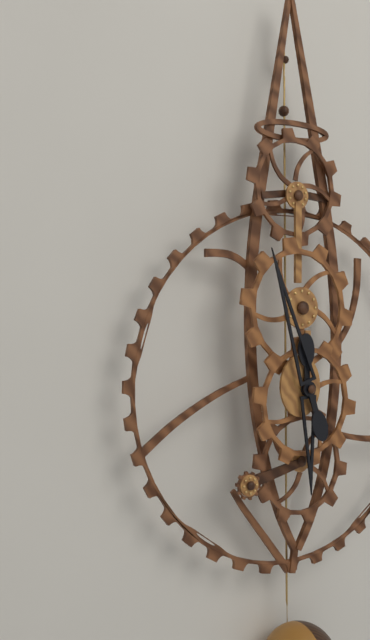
5.57
